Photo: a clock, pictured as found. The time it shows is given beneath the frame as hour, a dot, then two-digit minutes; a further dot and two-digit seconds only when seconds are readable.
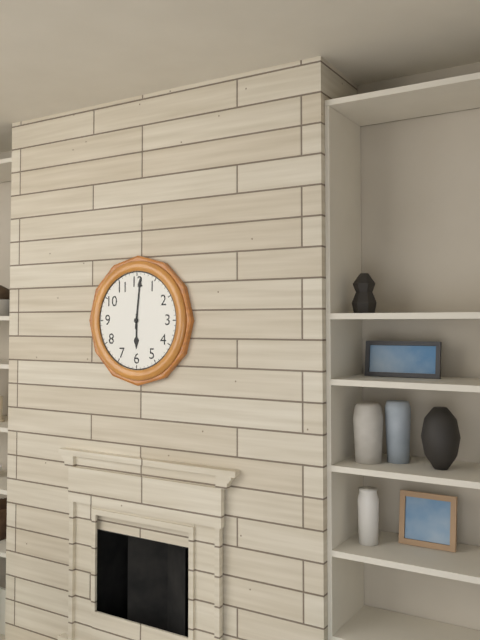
6.01
